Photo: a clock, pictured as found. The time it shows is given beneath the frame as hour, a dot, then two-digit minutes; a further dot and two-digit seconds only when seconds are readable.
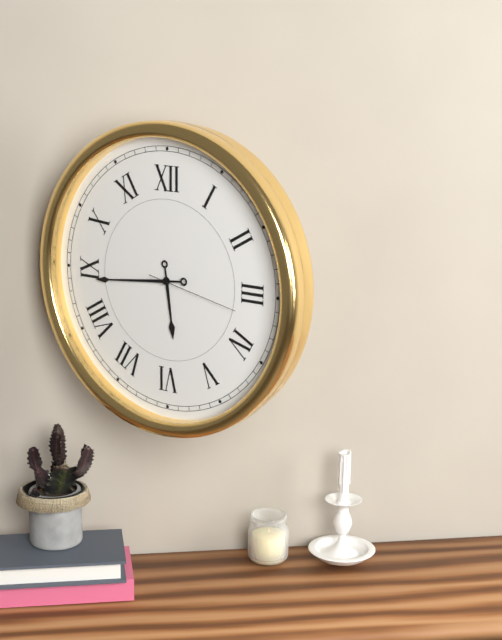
5.44.17
